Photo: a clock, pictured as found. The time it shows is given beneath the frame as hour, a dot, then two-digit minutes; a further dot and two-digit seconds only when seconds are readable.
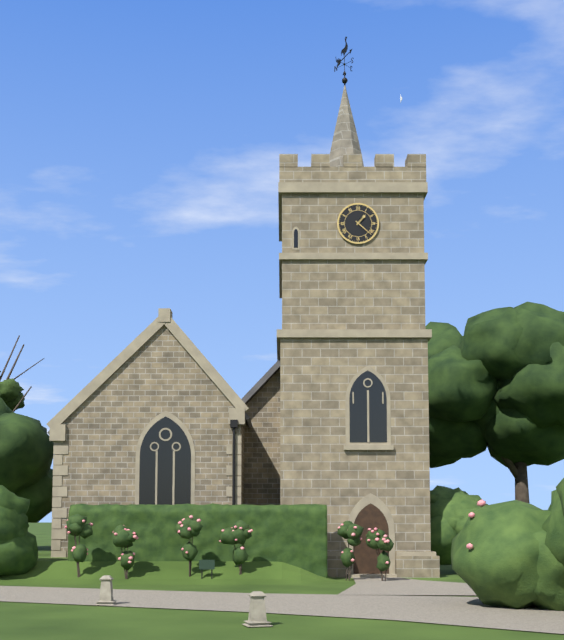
1.22
